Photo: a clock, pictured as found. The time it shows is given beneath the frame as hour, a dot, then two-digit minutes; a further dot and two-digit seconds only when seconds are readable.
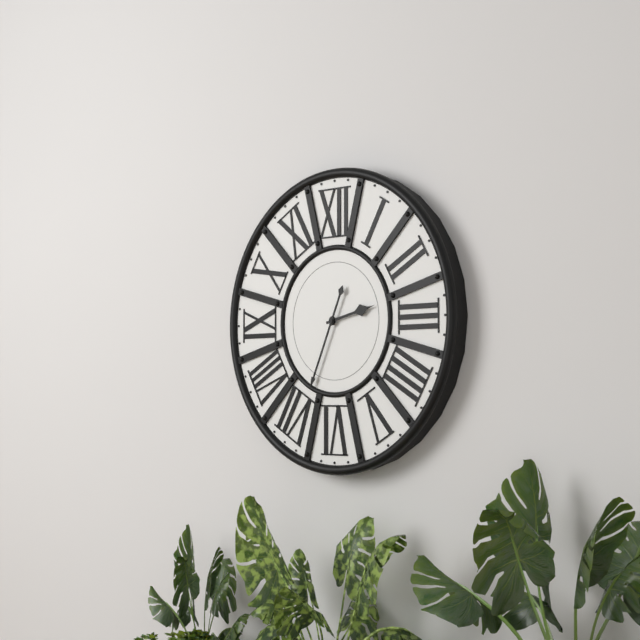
2.34
